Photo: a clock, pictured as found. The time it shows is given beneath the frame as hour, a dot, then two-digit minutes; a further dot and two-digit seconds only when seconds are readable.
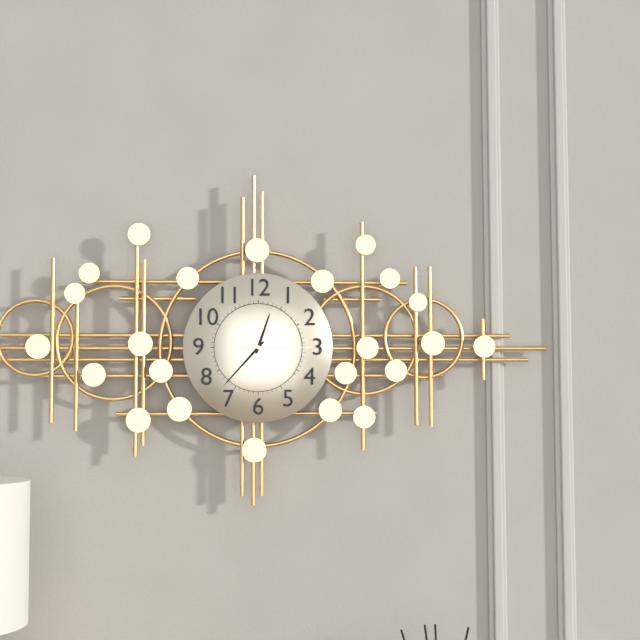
12.37.15
